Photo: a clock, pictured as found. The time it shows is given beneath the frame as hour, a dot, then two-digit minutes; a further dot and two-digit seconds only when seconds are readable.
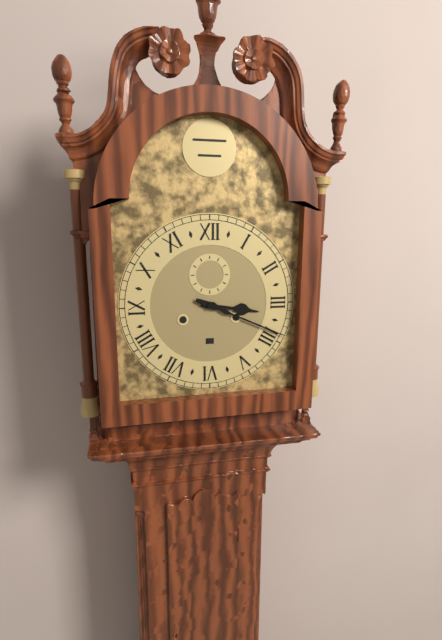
3.19
